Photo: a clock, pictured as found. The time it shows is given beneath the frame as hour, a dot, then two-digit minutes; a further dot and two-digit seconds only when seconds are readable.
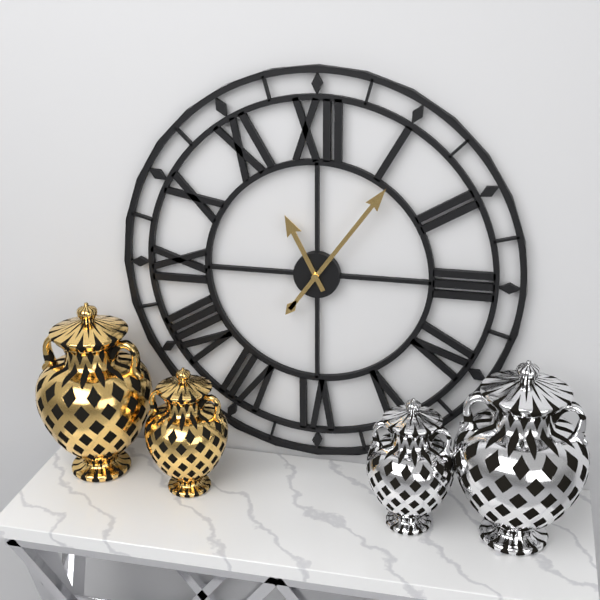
11.06
